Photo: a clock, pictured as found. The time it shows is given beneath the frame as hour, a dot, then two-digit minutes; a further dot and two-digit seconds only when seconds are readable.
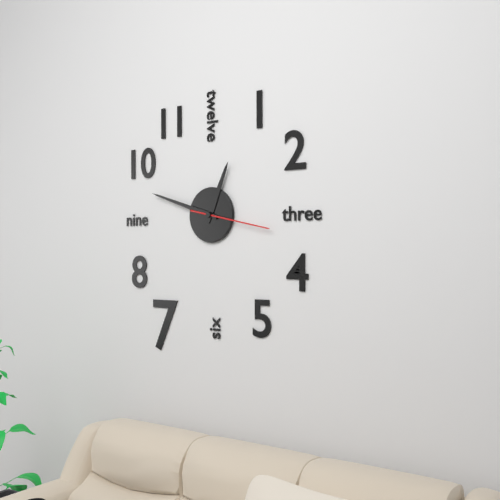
12.48.17
